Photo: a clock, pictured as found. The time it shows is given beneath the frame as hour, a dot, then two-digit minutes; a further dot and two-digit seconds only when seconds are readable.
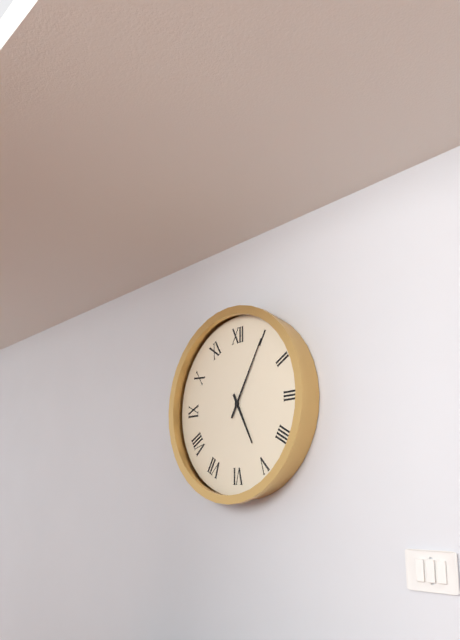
5.05
